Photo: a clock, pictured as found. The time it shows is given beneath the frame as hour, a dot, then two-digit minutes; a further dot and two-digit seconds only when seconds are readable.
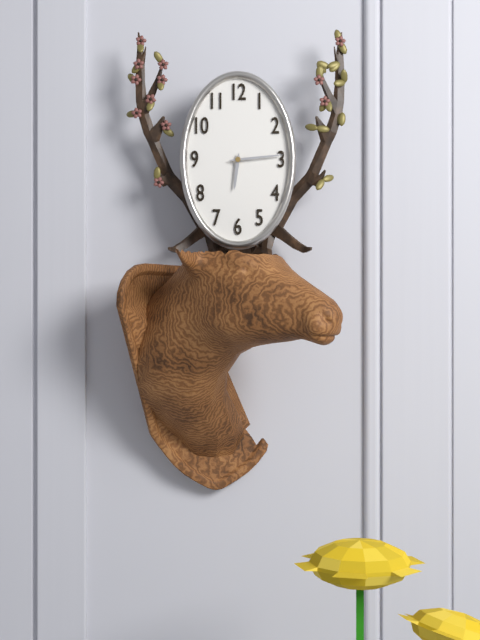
6.14
